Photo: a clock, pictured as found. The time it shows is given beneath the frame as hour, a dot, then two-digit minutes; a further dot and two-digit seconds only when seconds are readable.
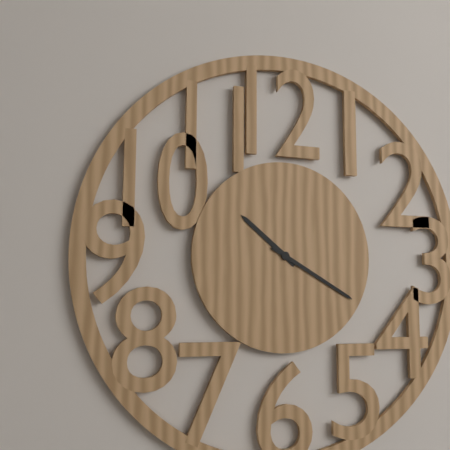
10.20
